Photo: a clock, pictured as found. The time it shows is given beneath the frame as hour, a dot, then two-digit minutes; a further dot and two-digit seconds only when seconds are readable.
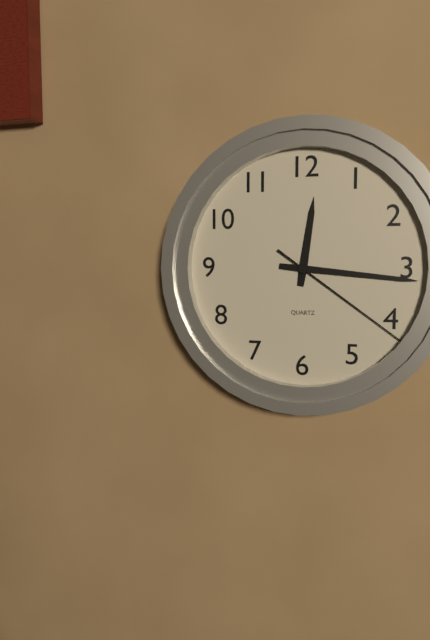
12.16.21
